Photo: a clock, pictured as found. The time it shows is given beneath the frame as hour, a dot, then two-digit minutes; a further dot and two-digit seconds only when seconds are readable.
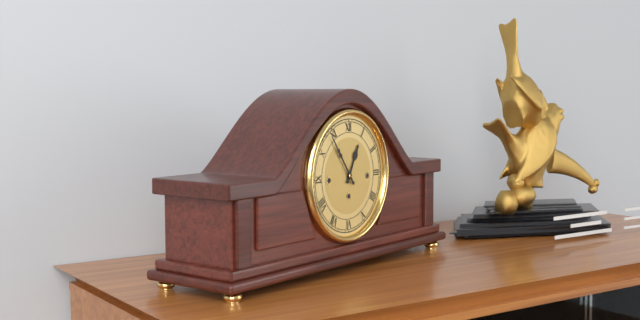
12.54
